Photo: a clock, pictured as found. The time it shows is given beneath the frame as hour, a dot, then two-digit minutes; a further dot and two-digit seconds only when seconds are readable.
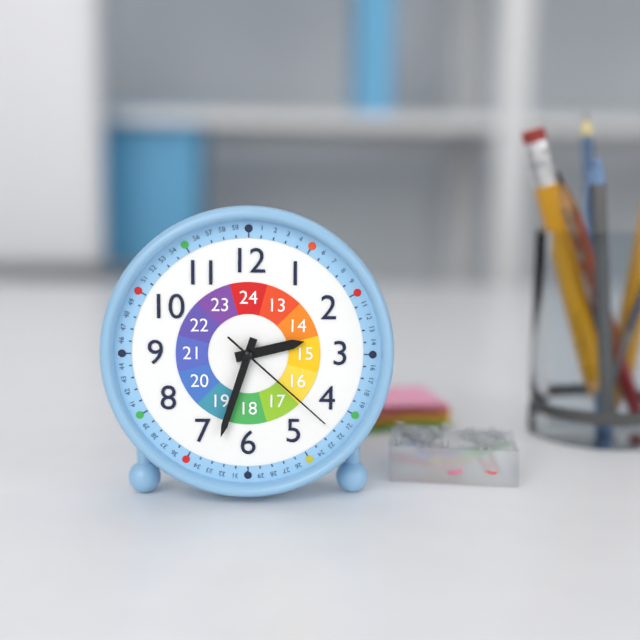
2.33.22
